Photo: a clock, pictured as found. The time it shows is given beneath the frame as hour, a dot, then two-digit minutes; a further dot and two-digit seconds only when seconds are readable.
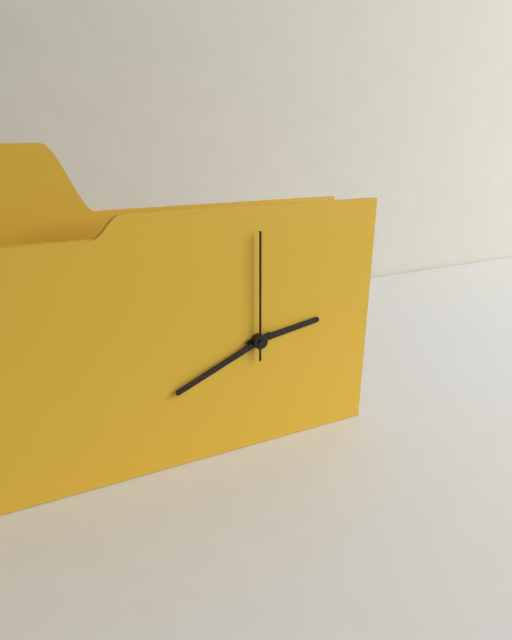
2.41.00
